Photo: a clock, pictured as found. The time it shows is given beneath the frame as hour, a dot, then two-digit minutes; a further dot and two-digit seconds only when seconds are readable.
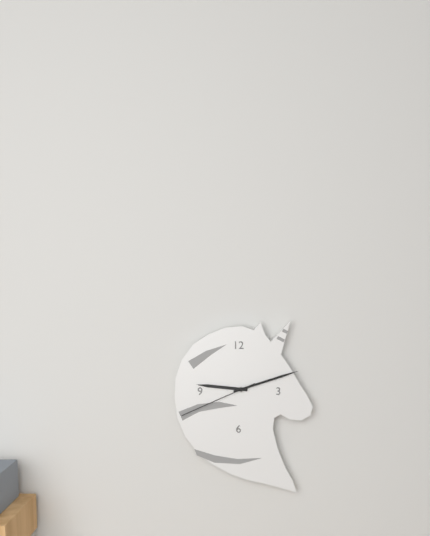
9.12.41
